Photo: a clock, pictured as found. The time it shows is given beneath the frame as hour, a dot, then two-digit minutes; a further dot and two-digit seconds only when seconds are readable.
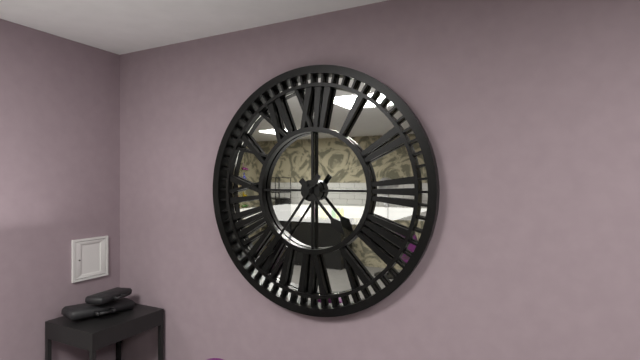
4.36
